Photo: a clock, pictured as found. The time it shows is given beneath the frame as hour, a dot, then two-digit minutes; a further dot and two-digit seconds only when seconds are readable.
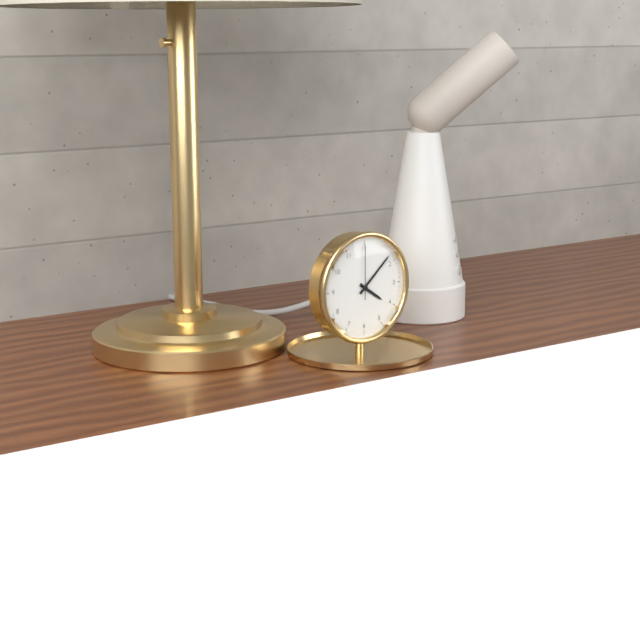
4.08.00
